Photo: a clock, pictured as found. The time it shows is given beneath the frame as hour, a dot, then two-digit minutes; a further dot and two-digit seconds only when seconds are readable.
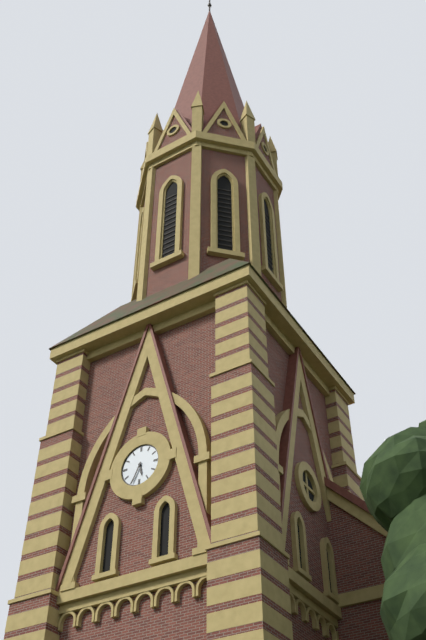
5.34
